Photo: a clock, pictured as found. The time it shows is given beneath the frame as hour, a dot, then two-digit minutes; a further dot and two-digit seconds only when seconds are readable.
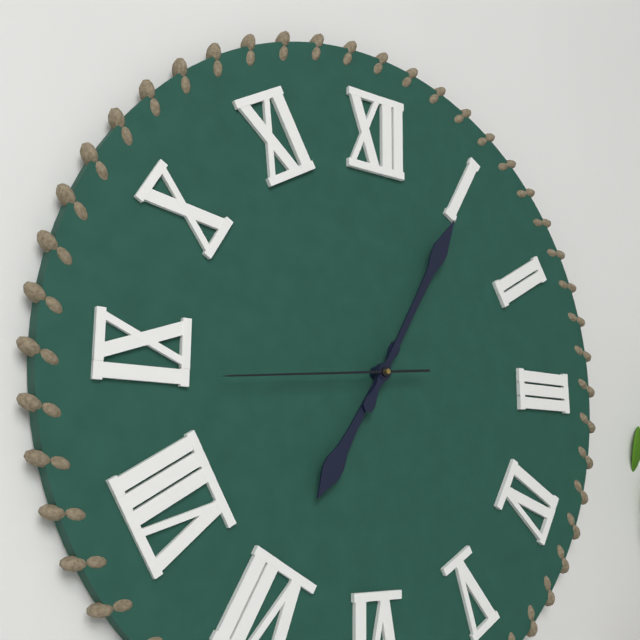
7.05.44
